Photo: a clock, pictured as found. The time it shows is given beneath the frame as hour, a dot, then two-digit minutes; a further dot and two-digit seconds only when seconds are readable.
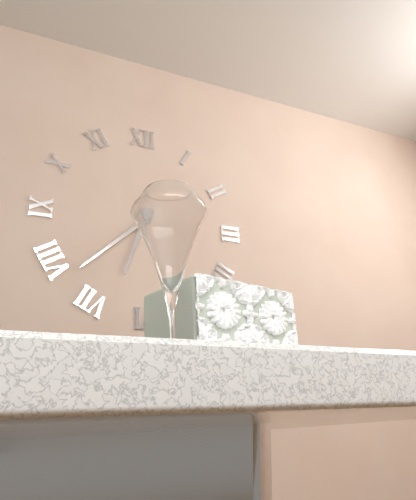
6.38
